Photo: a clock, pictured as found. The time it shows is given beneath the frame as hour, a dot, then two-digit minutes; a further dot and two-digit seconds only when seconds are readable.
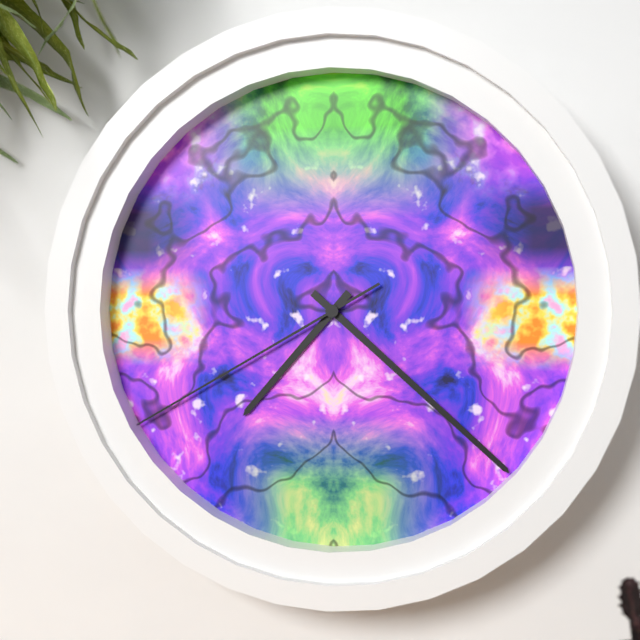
7.22.40
